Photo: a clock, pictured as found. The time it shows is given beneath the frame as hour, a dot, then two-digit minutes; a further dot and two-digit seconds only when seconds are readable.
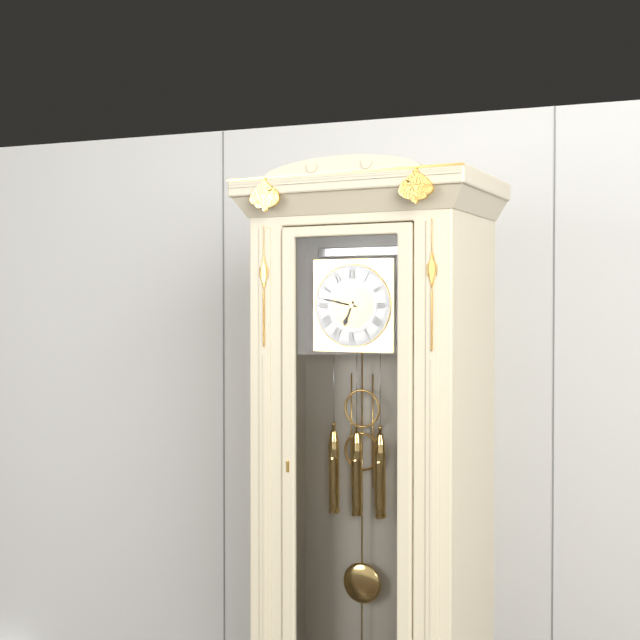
6.47
